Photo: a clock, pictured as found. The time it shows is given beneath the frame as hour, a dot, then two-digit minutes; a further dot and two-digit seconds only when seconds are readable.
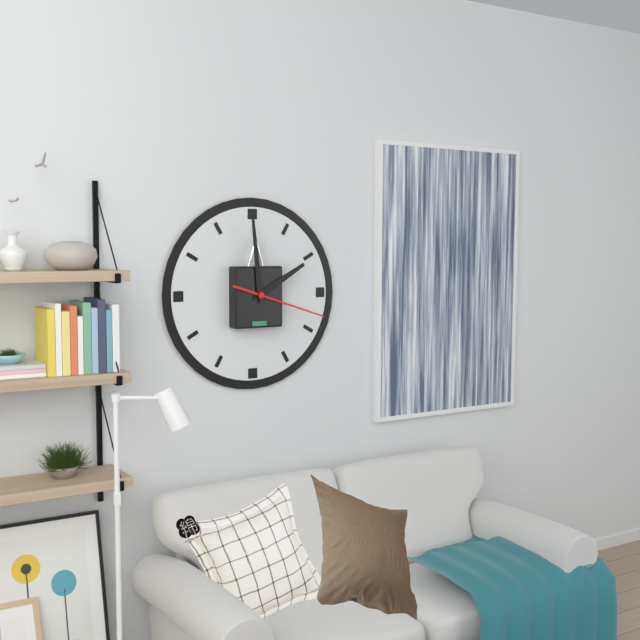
1.59.18
